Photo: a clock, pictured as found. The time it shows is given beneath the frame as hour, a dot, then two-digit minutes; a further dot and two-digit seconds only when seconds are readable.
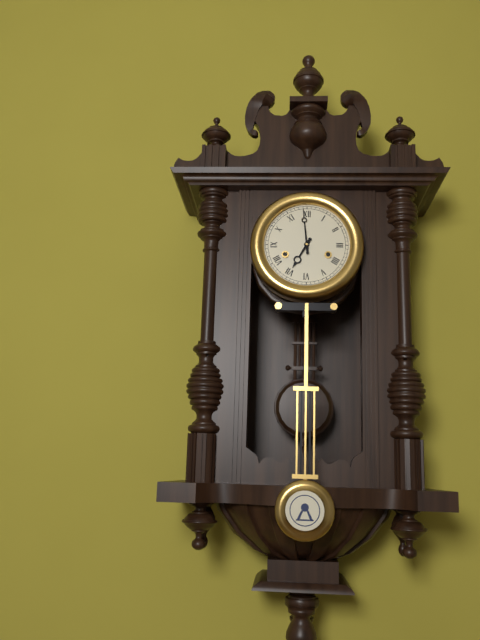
6.59
